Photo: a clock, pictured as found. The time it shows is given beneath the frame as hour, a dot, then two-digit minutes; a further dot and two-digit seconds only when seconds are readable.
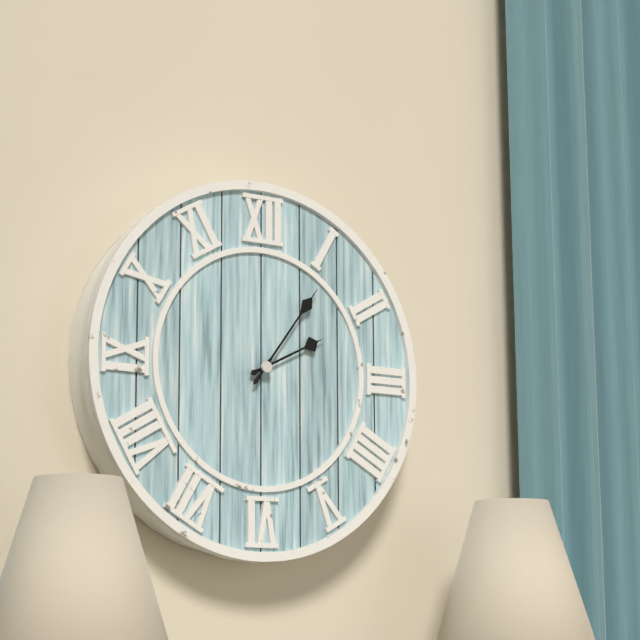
2.06
